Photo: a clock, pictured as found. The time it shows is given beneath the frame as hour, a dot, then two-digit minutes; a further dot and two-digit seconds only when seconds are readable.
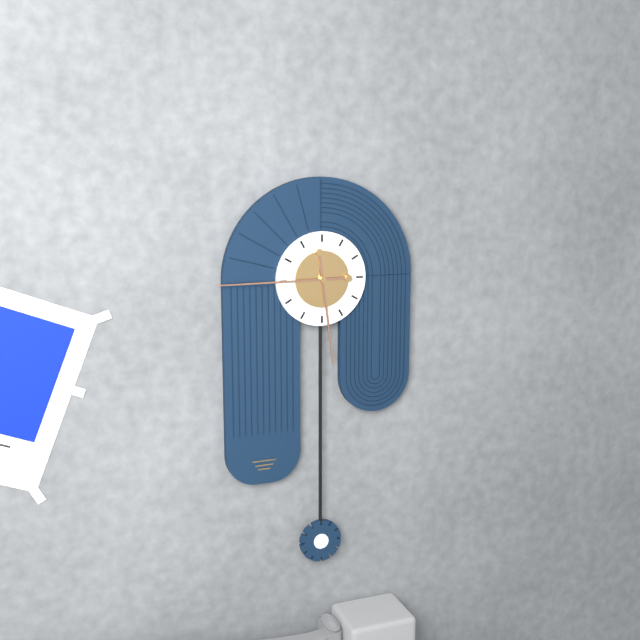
5.45
